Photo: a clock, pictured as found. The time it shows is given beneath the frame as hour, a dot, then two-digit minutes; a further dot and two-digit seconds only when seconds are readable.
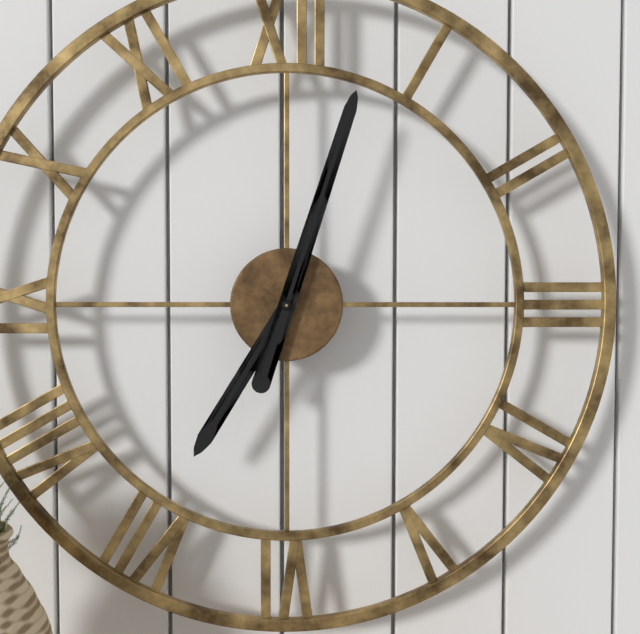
7.03
